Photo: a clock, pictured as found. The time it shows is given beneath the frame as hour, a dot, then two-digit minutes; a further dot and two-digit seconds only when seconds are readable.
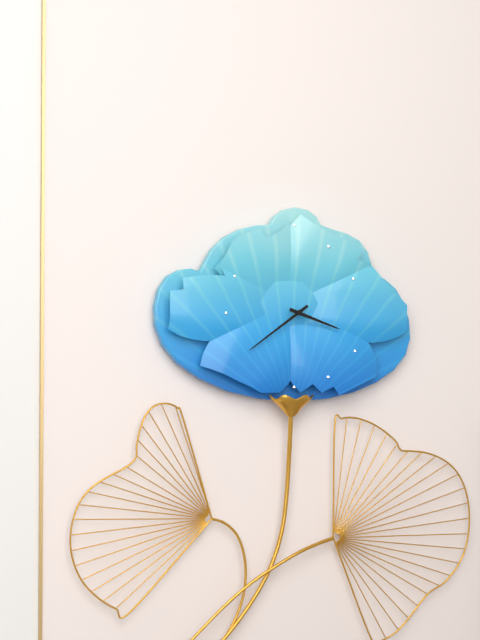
3.39
